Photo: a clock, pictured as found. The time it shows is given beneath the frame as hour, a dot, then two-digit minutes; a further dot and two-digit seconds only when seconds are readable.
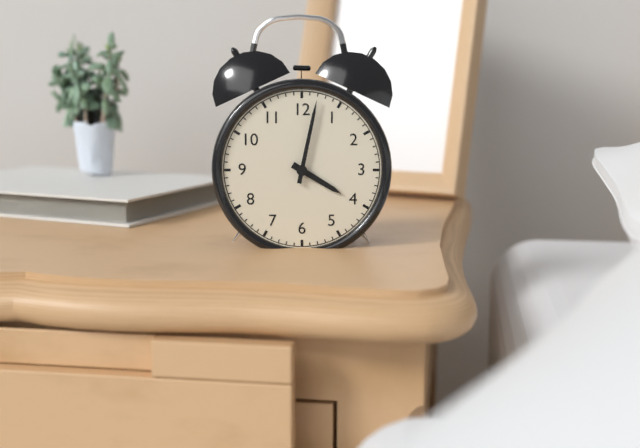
4.02
